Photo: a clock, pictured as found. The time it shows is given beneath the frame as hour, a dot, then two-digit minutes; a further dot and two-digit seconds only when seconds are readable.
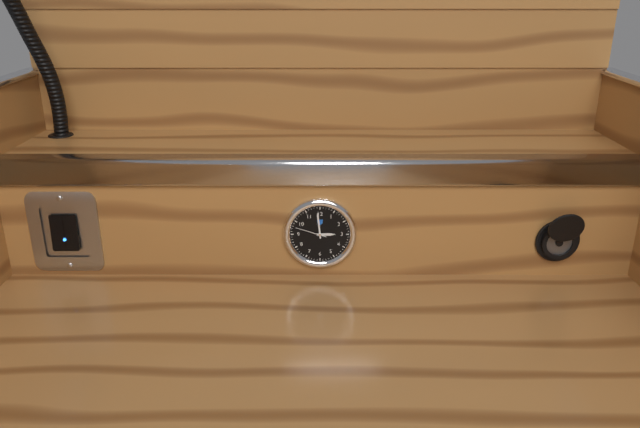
2.59
